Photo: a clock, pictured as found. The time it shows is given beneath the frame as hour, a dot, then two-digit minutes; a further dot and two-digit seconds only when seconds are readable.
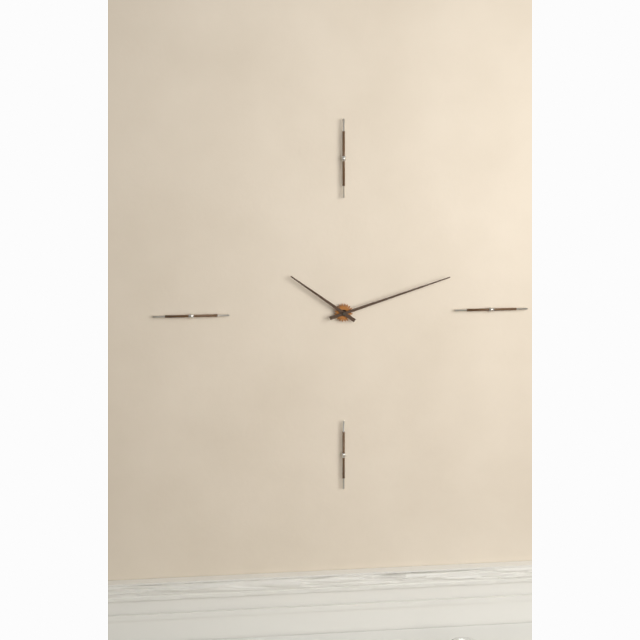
10.12
